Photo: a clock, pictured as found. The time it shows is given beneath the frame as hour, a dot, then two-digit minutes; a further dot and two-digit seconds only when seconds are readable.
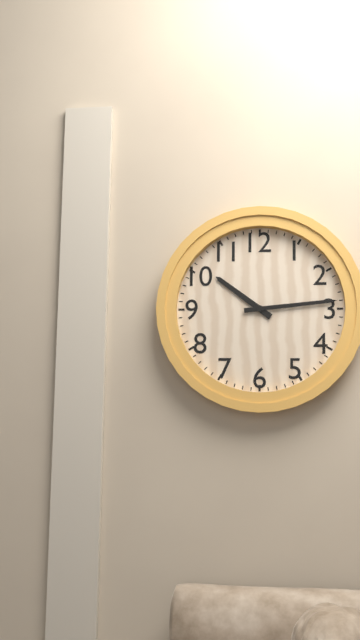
10.14
